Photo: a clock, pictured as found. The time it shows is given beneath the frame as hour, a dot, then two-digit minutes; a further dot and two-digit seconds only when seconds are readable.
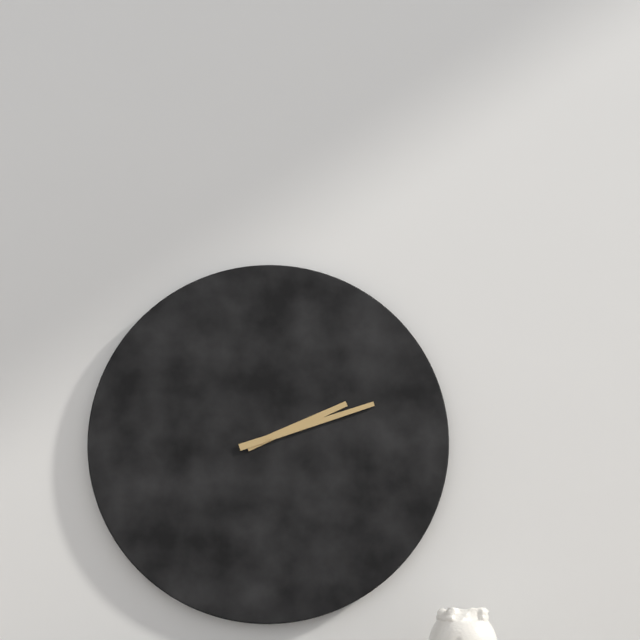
2.12
